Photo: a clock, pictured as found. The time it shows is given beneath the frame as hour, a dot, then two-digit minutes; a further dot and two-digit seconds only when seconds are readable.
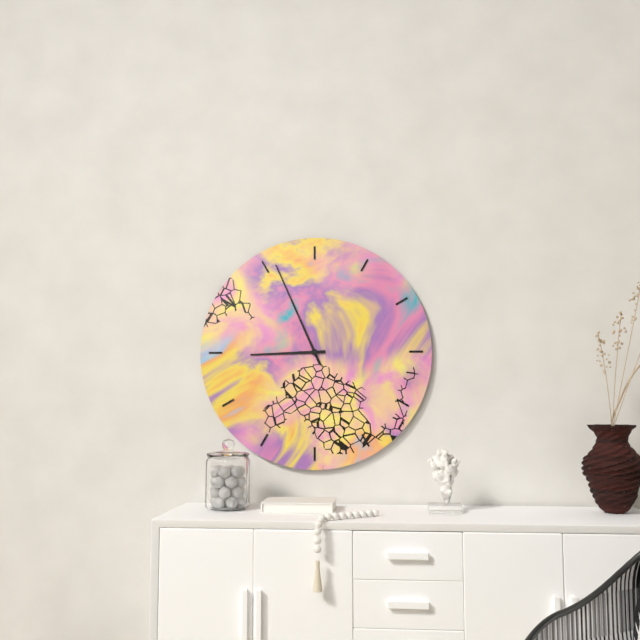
8.56
